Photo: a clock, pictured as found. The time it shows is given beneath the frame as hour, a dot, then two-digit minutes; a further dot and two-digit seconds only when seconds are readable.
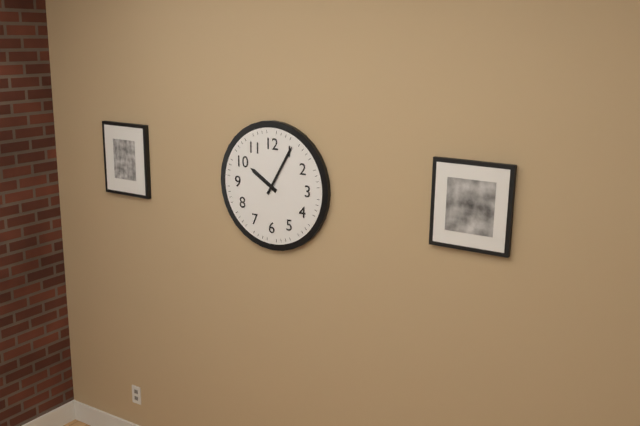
10.05
